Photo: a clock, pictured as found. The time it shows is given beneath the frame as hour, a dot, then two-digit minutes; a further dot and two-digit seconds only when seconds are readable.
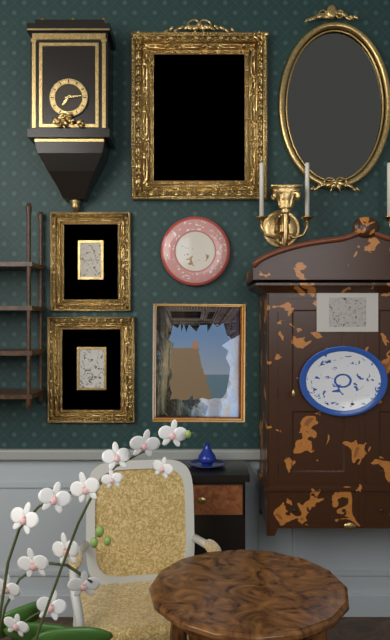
7.14
